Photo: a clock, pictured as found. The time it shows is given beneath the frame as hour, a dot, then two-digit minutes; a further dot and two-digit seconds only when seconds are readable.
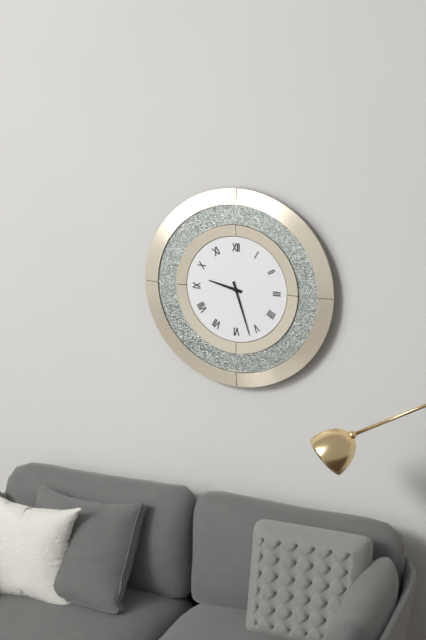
9.27
